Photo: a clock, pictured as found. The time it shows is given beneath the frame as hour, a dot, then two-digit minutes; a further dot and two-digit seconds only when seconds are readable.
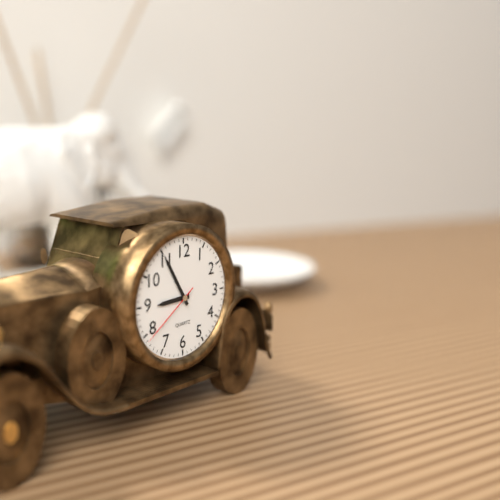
8.55.39
